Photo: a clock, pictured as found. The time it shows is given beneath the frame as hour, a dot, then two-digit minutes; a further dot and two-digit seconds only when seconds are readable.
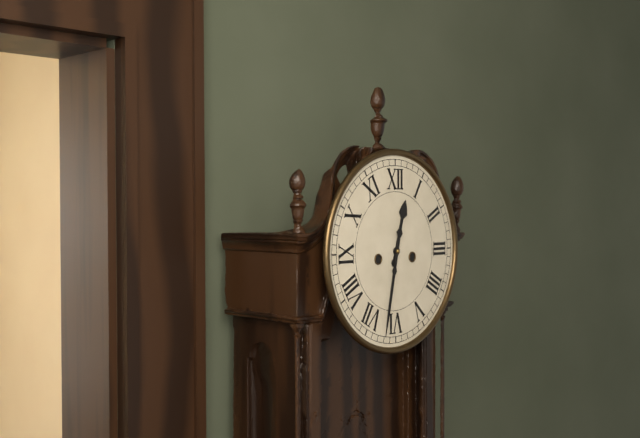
12.32
